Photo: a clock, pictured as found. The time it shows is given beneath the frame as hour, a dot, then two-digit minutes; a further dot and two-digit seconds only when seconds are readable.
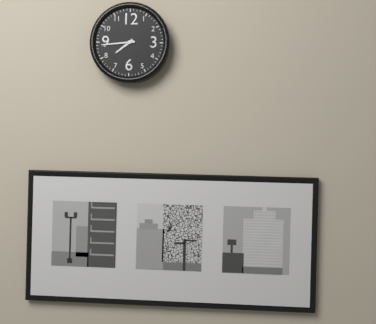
7.44
